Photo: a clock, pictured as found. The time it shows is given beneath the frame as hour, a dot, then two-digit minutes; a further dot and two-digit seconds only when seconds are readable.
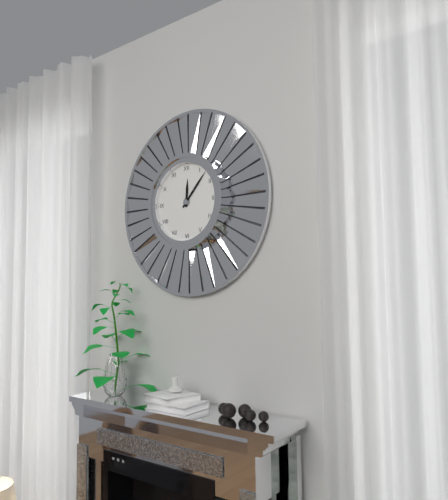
12.07
